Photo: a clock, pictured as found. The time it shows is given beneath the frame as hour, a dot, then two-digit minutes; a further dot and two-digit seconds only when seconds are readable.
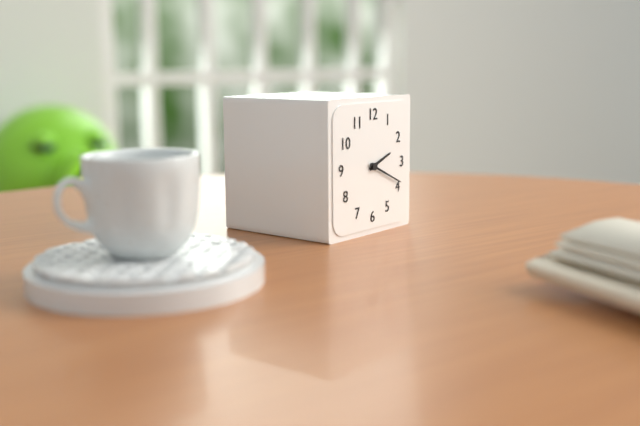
2.19
